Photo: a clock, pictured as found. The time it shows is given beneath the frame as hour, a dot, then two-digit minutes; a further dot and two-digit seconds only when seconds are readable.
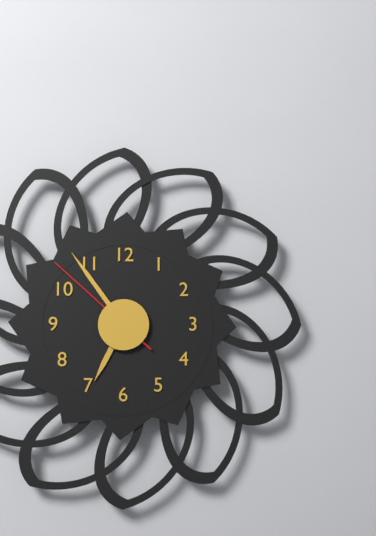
6.54.52
